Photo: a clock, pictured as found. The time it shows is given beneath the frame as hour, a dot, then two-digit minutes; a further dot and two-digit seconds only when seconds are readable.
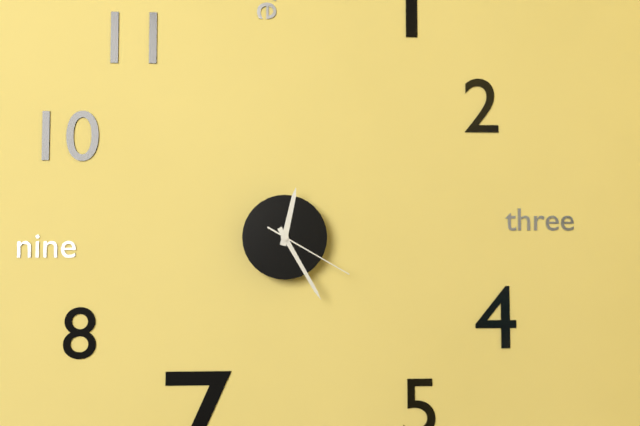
12.25.20
